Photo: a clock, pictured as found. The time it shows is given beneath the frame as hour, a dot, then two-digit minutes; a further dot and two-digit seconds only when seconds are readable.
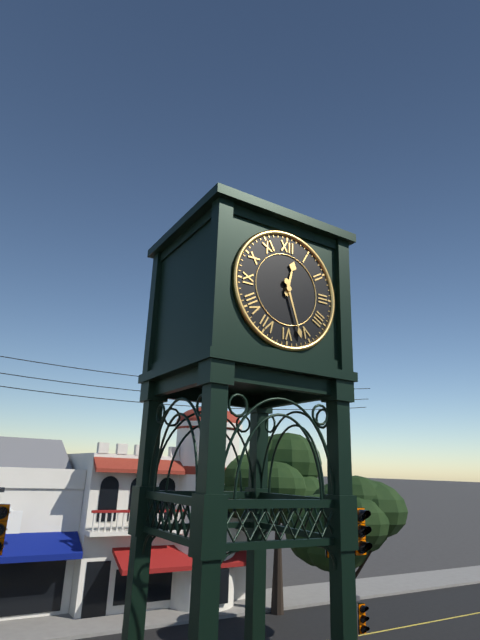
12.27
